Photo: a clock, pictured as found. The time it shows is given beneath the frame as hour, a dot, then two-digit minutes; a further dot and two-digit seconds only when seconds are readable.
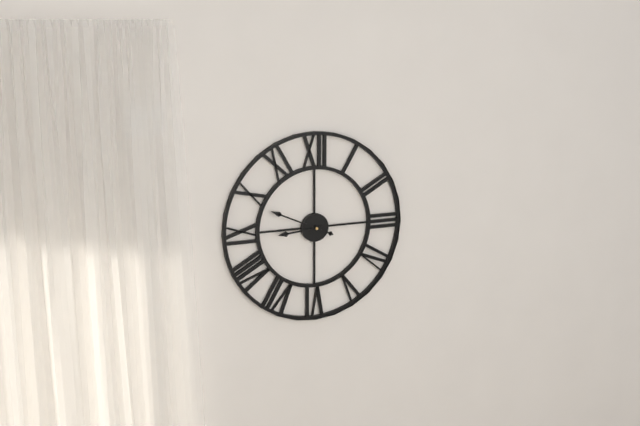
8.49
